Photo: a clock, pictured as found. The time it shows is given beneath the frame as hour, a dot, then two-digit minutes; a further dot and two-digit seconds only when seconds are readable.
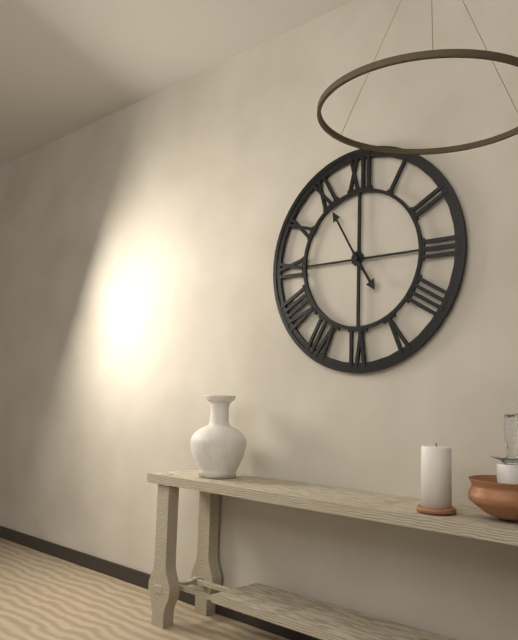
4.55
